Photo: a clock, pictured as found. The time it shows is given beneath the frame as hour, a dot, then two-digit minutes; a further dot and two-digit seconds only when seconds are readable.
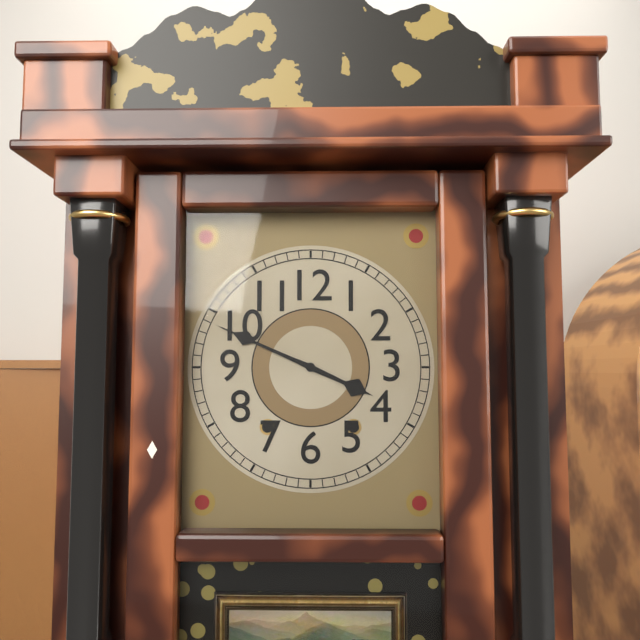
3.49
